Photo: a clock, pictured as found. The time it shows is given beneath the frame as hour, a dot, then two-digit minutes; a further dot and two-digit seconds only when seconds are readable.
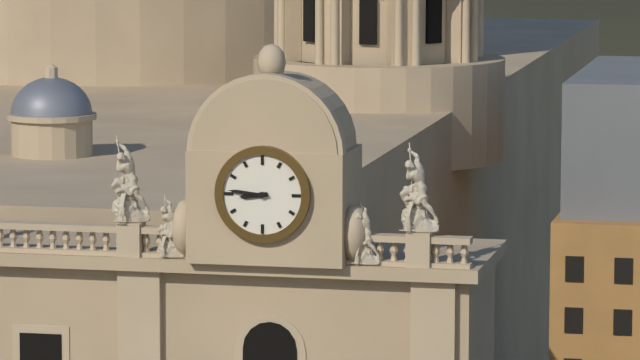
8.46
